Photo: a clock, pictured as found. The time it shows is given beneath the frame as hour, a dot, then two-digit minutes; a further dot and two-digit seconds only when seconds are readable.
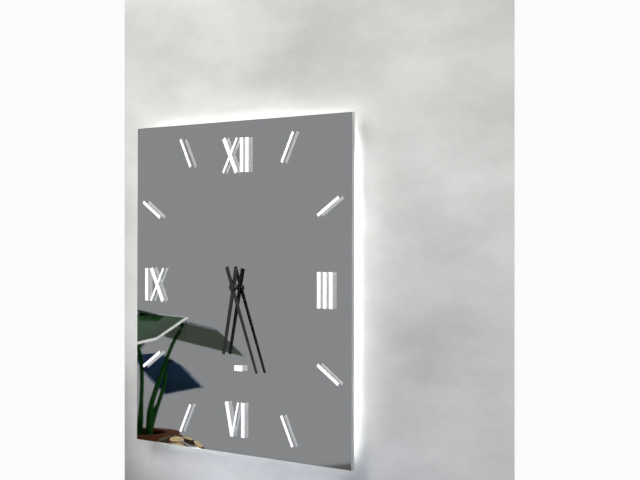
6.26
